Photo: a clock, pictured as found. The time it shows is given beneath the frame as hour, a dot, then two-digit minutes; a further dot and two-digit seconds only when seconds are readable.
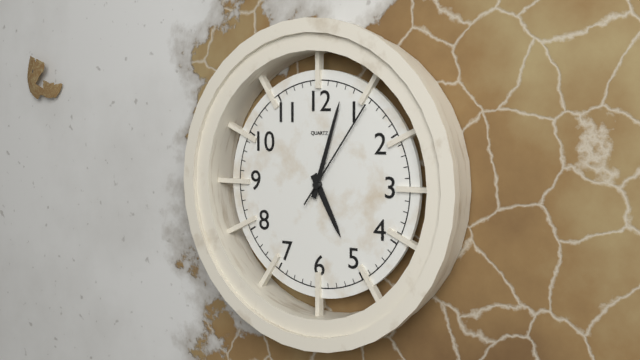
5.03.06
